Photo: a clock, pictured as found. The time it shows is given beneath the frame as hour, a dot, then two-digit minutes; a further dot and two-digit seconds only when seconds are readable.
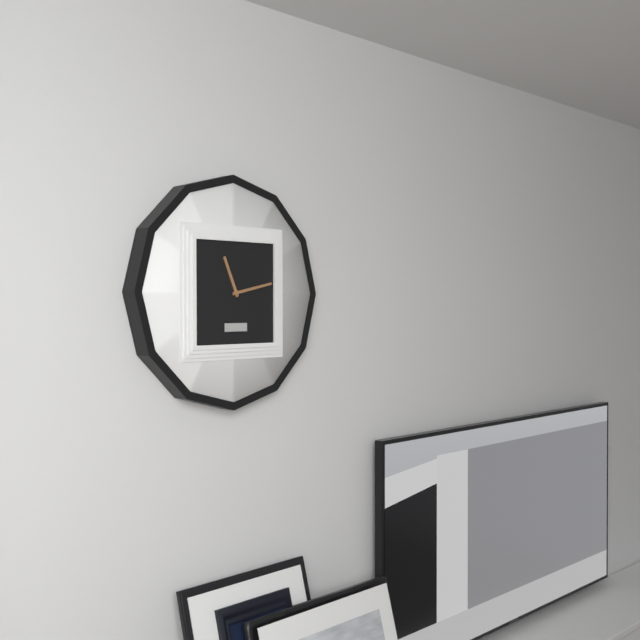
11.13
